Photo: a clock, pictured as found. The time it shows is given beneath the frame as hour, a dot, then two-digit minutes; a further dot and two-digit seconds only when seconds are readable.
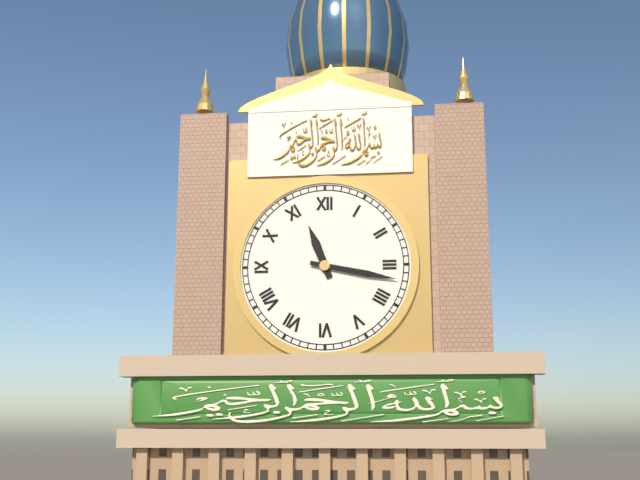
11.17
